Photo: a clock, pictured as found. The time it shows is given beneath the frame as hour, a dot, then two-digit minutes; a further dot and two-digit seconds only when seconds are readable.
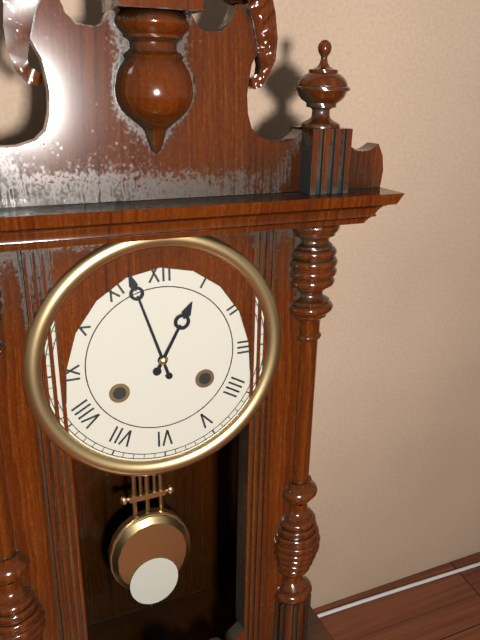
12.57
